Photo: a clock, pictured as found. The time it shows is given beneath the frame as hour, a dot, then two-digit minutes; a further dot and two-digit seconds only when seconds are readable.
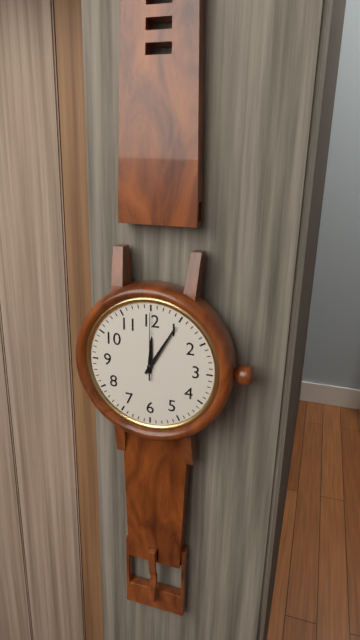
12.05.00
